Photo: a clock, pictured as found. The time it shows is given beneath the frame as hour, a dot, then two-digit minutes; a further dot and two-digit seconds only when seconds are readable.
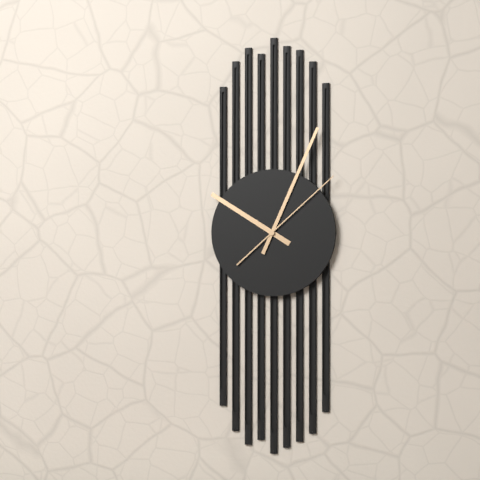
10.04.08
